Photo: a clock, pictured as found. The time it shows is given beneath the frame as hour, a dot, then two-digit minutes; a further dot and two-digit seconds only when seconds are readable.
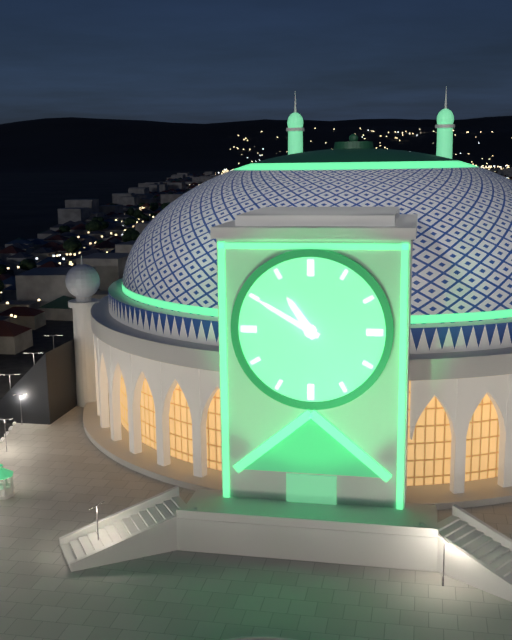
10.50
